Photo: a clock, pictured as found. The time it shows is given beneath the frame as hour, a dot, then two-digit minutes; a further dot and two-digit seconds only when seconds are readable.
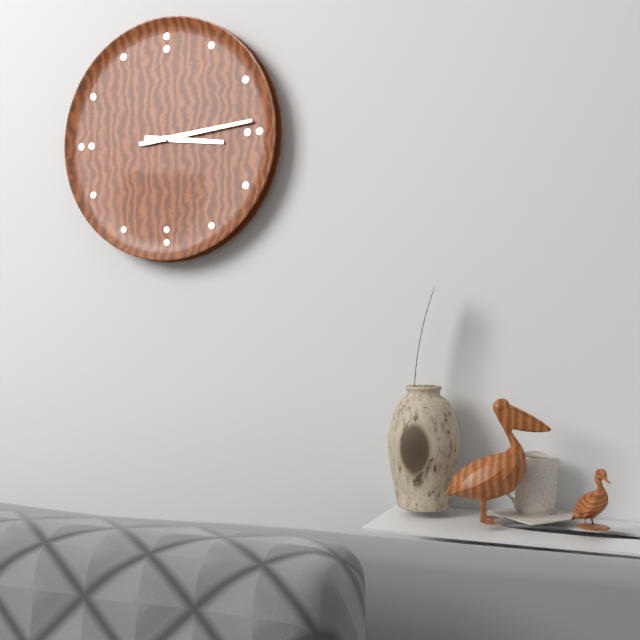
3.14
